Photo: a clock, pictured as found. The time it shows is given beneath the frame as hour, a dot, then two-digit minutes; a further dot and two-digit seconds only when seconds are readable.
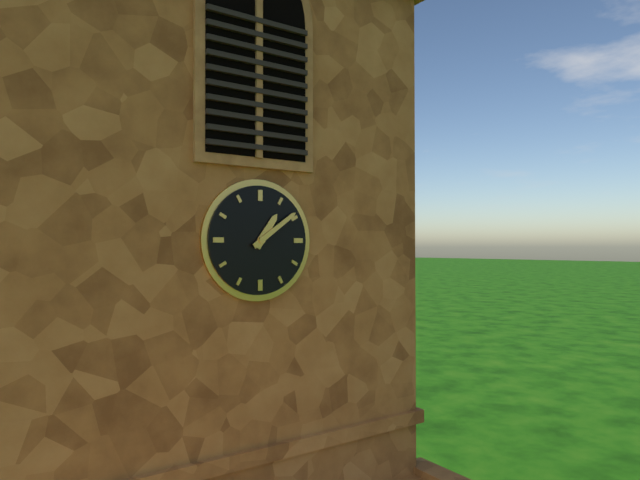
1.09
